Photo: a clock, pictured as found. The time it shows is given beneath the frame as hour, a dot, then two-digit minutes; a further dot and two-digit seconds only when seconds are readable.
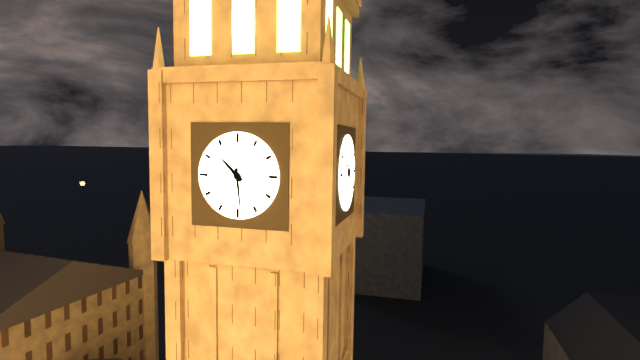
10.29
